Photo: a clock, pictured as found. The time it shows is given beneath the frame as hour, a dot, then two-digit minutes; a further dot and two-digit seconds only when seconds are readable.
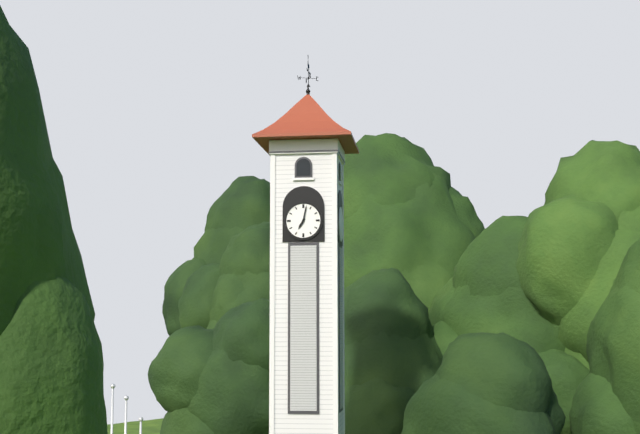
7.02
